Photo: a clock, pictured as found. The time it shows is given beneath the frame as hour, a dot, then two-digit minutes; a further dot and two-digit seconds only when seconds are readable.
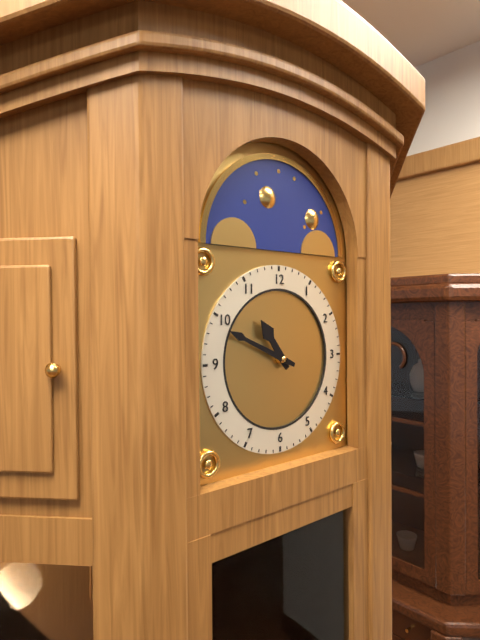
10.49
